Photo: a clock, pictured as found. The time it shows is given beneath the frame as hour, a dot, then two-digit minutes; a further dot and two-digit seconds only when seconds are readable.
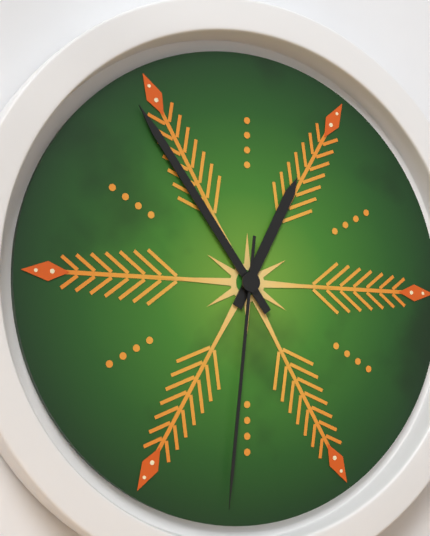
12.54.31
